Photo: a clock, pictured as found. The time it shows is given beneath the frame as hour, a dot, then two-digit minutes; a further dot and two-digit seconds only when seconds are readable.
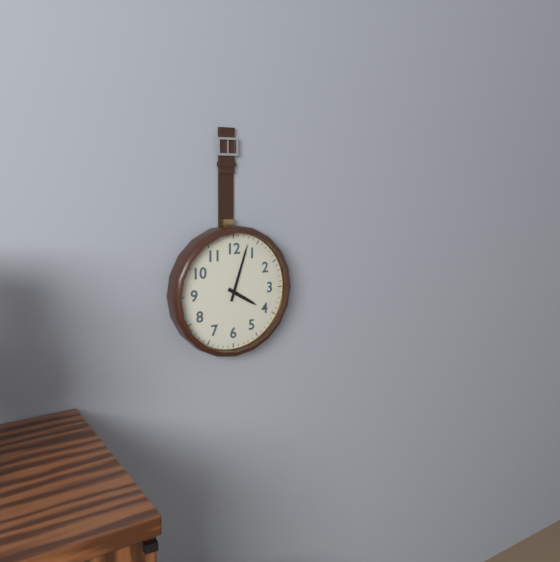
4.03
